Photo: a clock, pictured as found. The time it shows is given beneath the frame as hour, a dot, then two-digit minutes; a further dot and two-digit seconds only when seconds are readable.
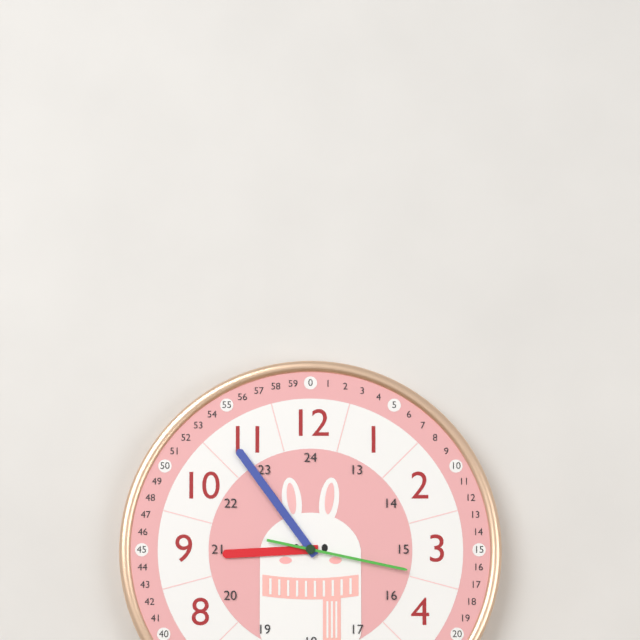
8.54.17
